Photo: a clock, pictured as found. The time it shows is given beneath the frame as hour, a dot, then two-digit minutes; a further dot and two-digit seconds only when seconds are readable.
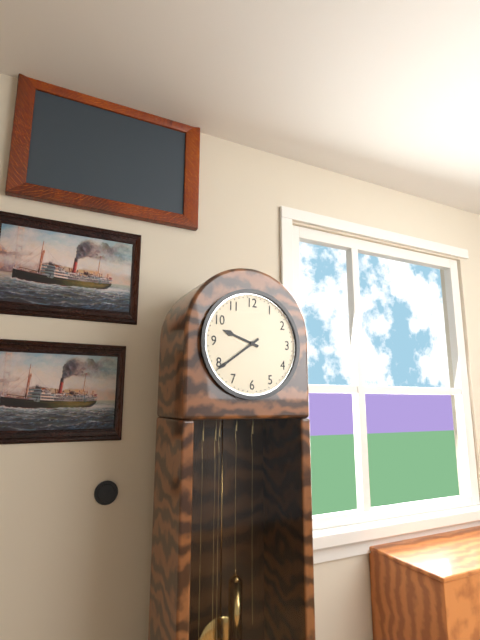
9.39
